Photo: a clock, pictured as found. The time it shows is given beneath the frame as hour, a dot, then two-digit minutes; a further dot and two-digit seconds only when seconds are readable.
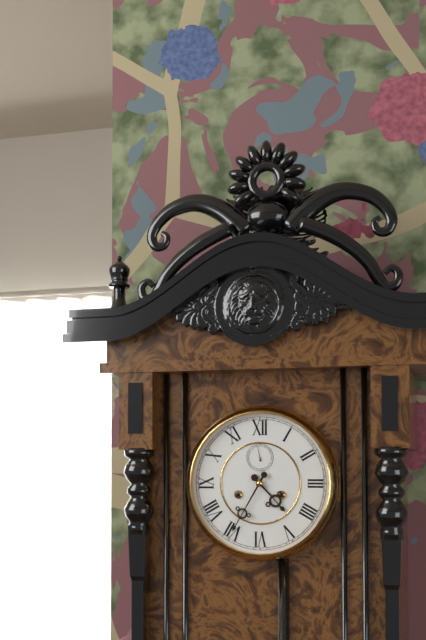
4.35
